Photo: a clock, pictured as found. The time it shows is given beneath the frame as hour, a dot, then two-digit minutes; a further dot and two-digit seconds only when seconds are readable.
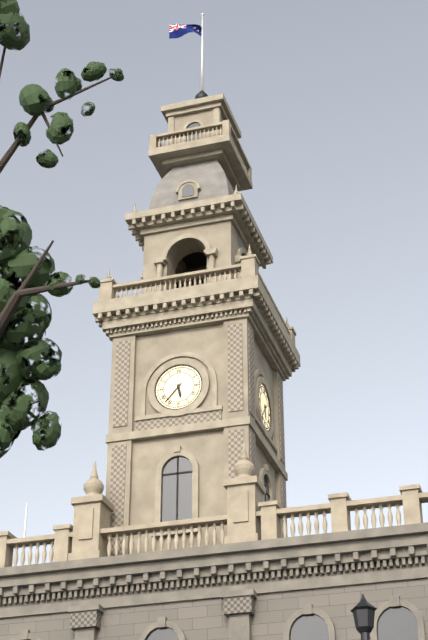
5.37
